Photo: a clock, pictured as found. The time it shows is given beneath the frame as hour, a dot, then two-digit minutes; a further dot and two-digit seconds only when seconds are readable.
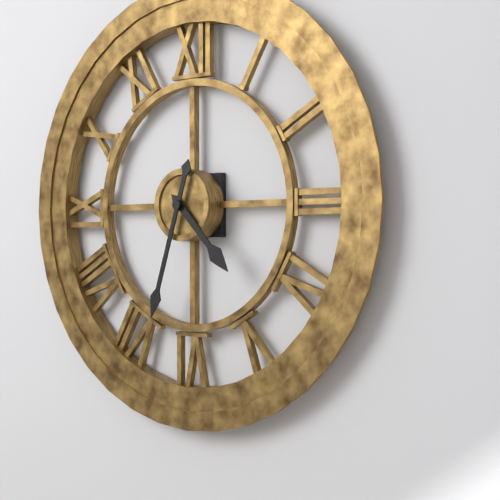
4.33
